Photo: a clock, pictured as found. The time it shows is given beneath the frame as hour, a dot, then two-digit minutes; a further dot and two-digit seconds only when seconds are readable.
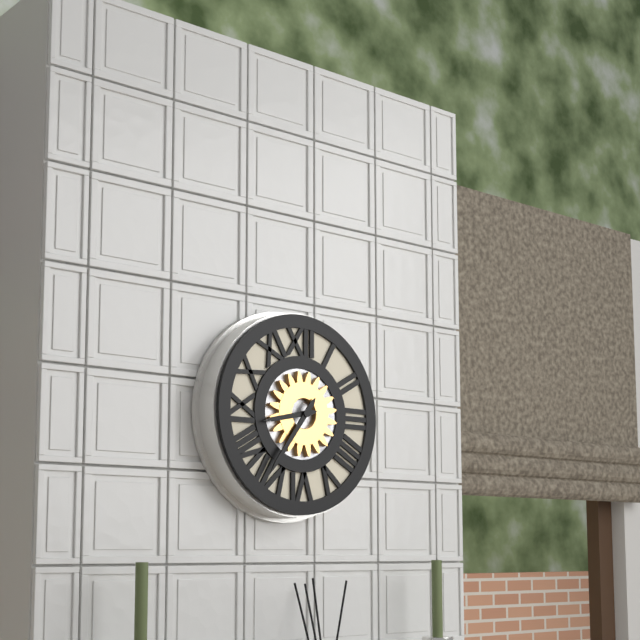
8.36
